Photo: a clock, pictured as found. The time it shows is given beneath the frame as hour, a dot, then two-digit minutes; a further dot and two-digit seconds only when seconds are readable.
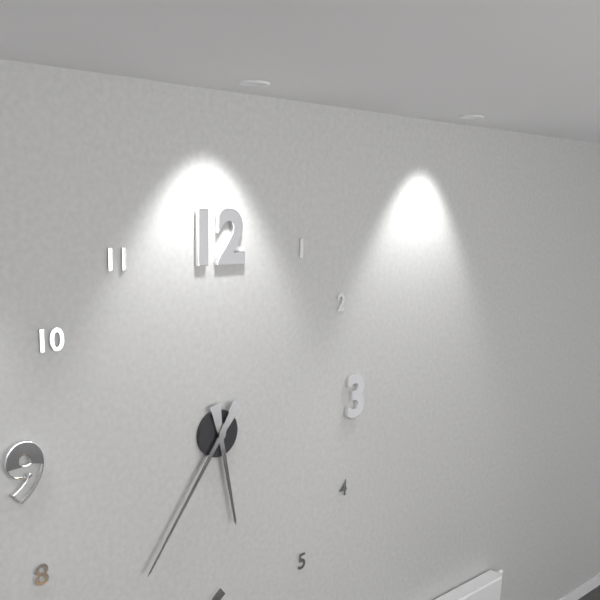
5.36
